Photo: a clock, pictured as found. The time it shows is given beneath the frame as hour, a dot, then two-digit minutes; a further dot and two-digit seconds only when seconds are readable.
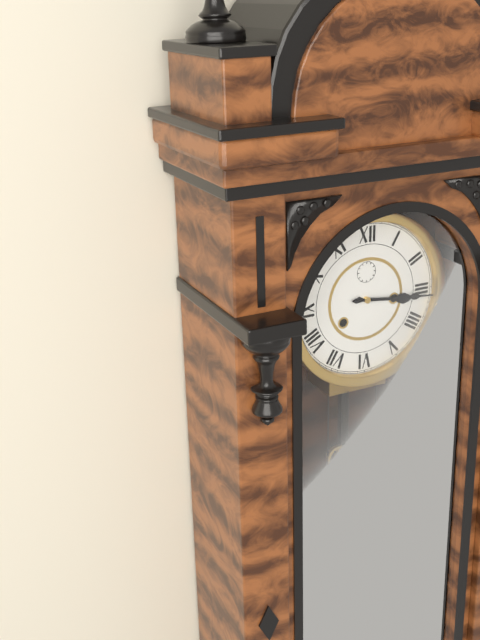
3.16
